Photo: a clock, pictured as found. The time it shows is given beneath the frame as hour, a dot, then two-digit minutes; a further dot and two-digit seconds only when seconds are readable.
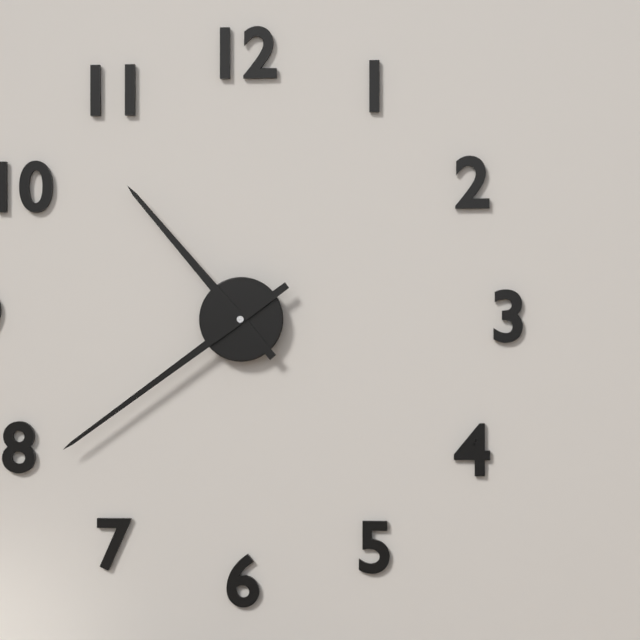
10.39
